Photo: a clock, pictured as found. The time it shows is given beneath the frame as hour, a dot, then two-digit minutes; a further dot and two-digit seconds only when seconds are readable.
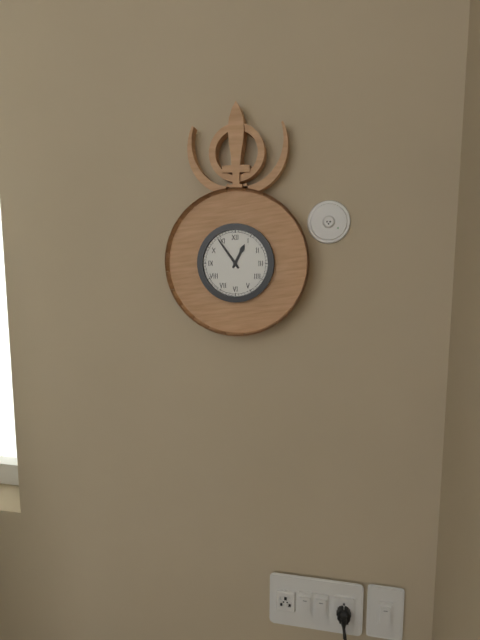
12.54
